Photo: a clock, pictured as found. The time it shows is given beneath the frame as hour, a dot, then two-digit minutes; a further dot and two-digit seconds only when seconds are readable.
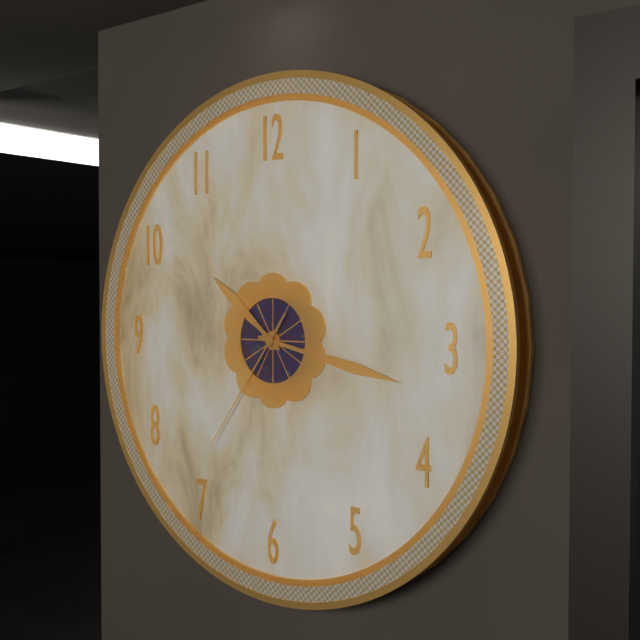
10.17.36
